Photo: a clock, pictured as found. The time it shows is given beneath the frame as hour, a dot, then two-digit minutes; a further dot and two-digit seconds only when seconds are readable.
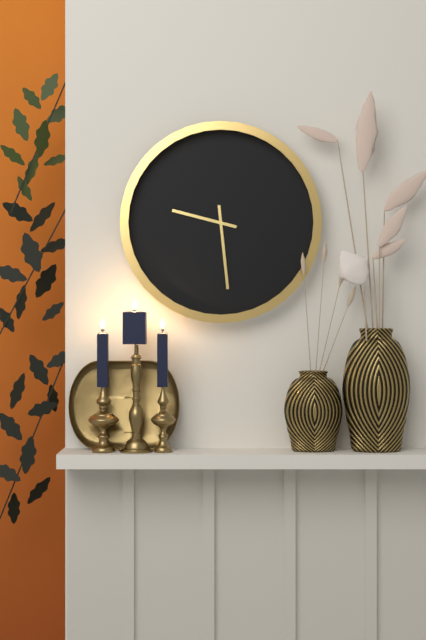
9.29
